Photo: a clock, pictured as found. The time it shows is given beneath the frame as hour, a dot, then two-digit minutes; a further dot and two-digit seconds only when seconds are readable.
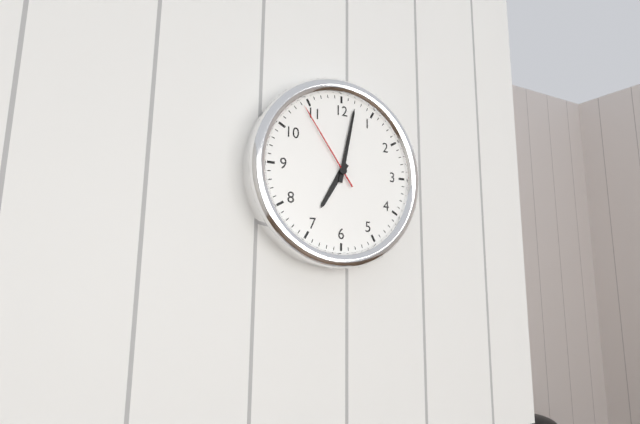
7.02.54
